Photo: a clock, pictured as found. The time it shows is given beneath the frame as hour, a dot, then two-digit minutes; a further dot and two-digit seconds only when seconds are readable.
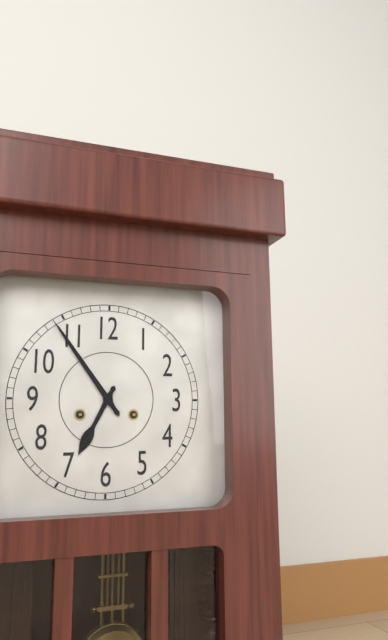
6.54
